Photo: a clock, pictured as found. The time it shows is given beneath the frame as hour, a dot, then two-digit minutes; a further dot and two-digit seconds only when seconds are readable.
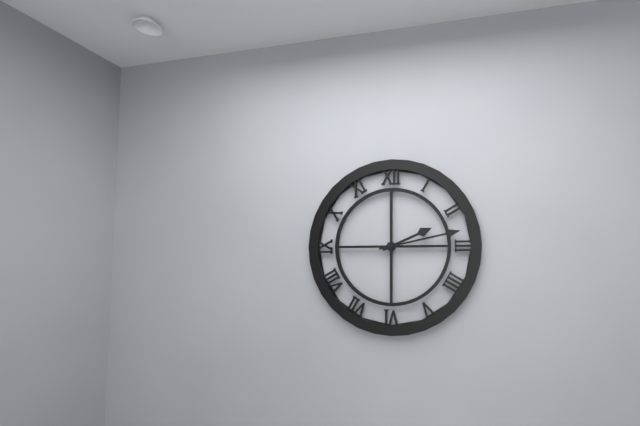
2.13
